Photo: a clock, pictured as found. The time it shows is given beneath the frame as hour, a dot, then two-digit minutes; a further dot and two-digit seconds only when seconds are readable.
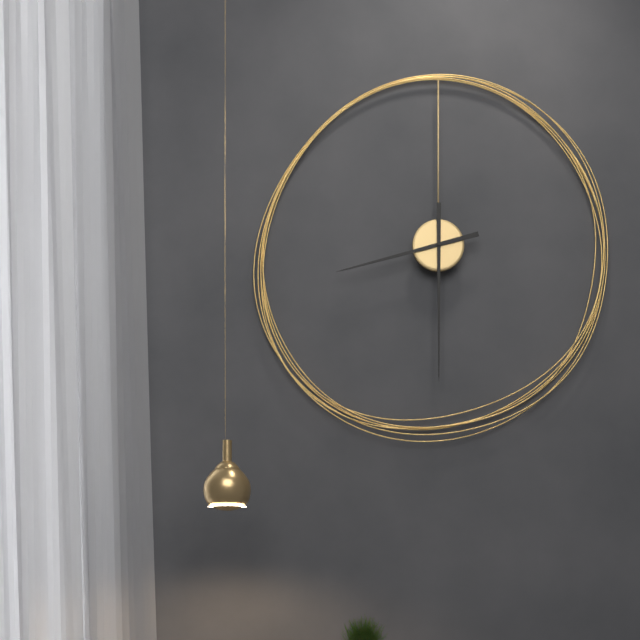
8.30
